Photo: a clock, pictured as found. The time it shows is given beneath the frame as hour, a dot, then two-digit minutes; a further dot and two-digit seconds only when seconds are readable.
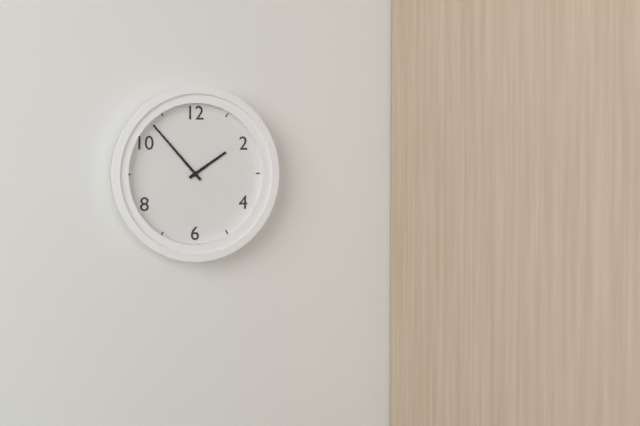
1.53
